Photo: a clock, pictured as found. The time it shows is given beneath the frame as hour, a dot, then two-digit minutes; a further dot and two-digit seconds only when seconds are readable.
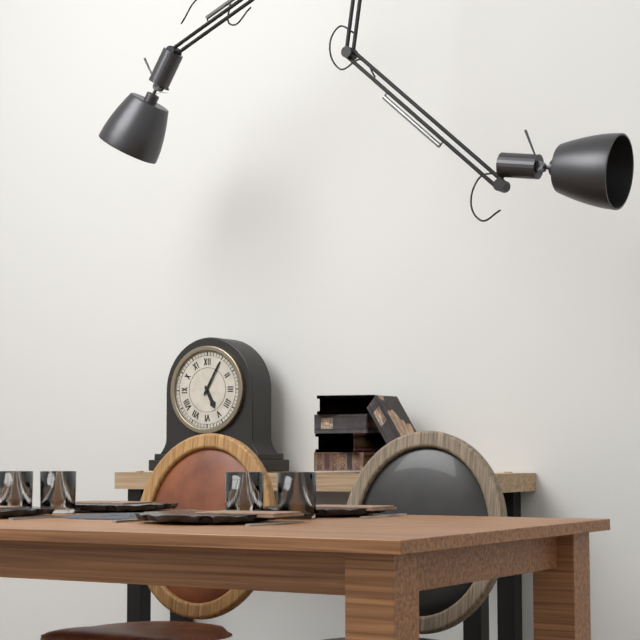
5.05
